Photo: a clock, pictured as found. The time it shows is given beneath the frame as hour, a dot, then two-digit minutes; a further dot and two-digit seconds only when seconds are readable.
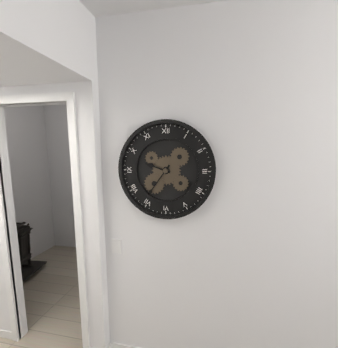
9.36
